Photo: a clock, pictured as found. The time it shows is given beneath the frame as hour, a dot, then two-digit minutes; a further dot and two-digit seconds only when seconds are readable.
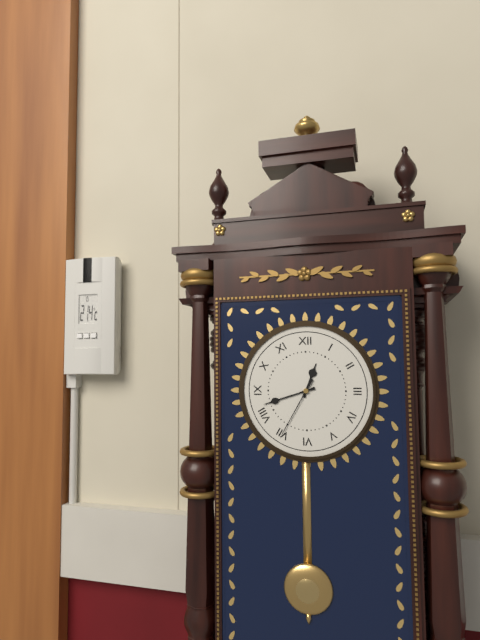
12.42.35
